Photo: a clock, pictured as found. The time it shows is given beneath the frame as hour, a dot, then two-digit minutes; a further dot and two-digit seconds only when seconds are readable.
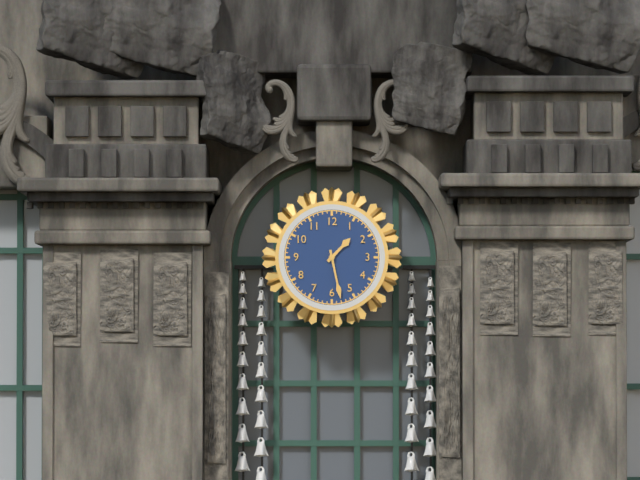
1.28
